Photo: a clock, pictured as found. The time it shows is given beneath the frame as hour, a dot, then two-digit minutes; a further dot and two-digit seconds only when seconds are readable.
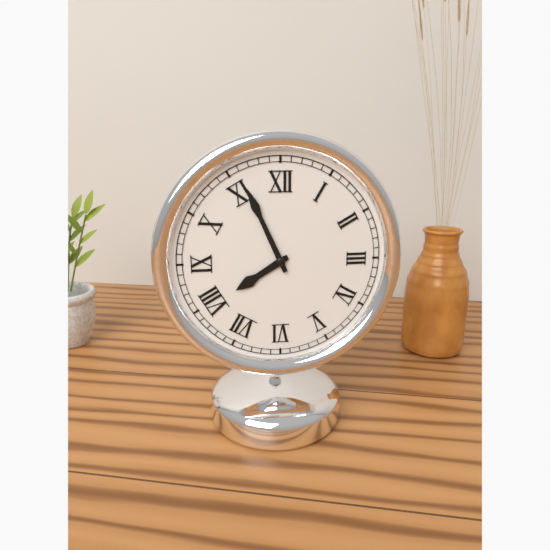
7.56
